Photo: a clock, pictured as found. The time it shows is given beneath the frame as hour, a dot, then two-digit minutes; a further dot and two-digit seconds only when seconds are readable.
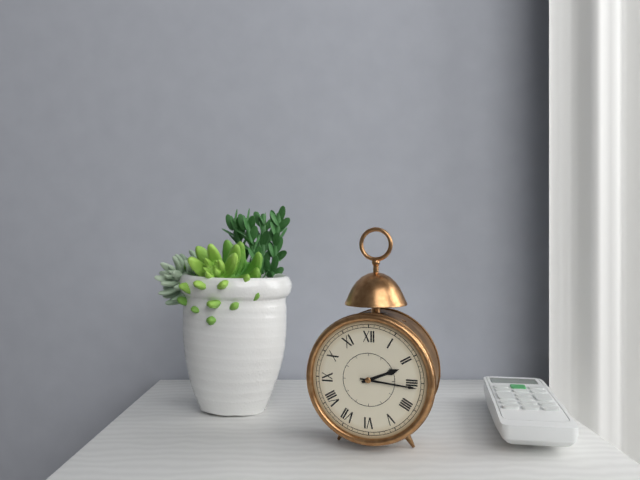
2.16
